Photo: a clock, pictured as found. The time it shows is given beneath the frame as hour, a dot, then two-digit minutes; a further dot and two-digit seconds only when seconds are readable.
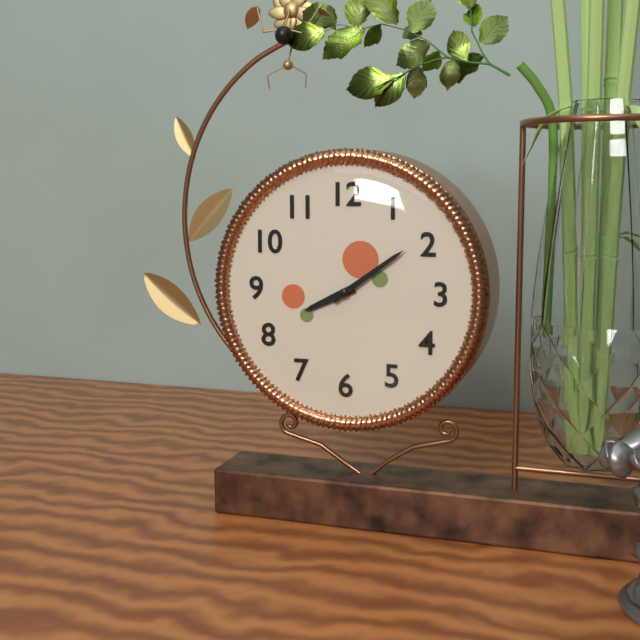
8.09
